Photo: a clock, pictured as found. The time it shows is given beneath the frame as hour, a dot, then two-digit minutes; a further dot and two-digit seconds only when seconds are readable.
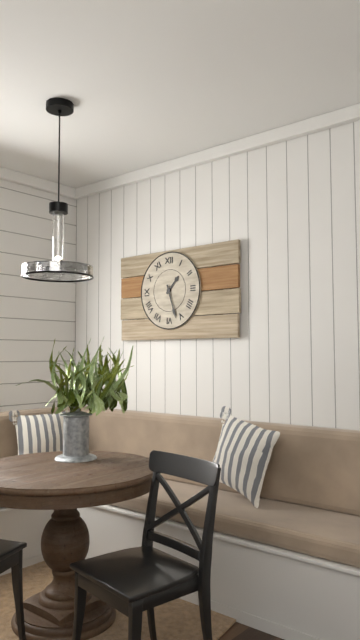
1.27
